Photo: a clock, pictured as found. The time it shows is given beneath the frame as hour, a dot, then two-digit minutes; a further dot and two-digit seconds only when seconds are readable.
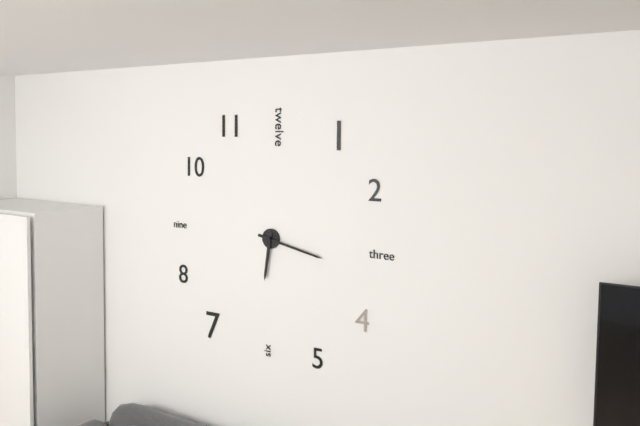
6.17
